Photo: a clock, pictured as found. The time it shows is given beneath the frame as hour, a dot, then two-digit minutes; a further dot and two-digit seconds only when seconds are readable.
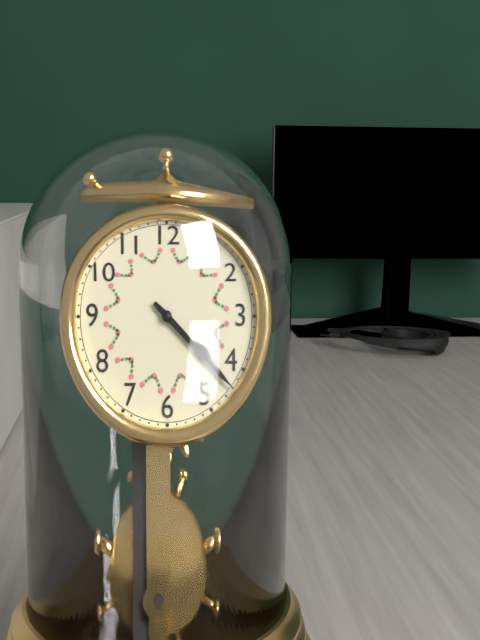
4.22
